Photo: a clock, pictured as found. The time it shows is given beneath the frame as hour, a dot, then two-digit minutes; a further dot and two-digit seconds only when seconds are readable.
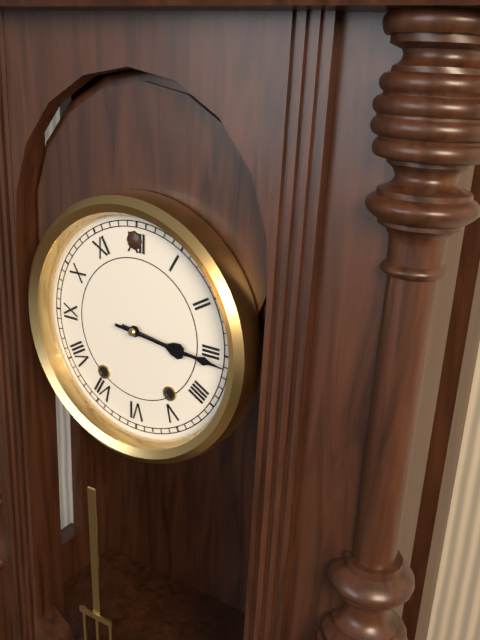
3.16
